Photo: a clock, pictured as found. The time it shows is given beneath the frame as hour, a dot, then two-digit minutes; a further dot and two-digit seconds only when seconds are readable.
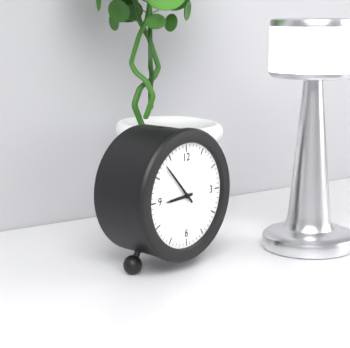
8.53
